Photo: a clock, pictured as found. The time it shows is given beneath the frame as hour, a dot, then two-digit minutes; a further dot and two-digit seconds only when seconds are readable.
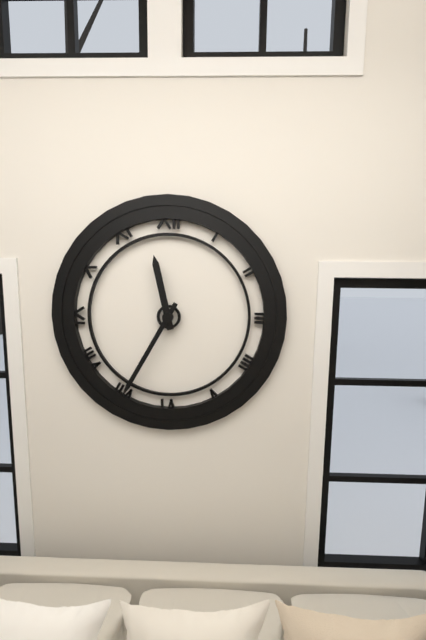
11.35
